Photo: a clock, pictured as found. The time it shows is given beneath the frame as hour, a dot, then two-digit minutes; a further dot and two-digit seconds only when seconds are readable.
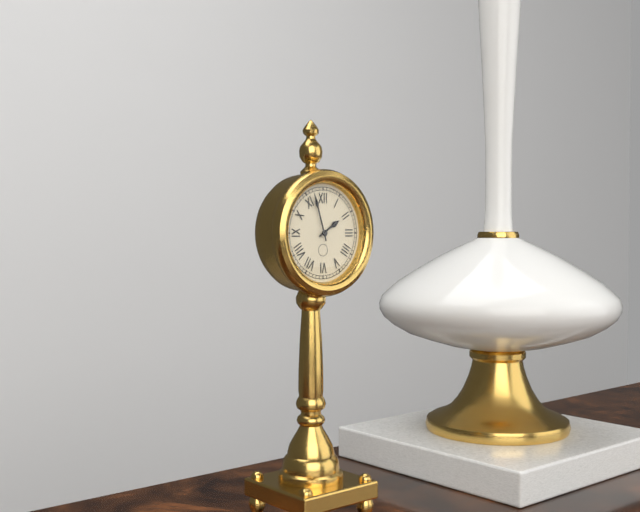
1.57
